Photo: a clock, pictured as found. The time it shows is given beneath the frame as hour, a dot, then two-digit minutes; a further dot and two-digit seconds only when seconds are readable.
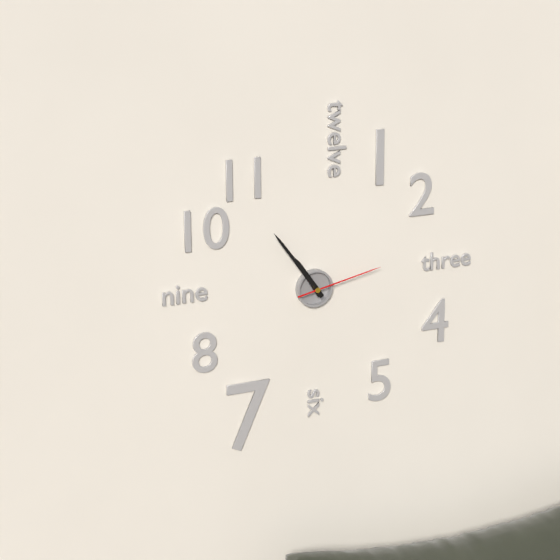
10.54.13
